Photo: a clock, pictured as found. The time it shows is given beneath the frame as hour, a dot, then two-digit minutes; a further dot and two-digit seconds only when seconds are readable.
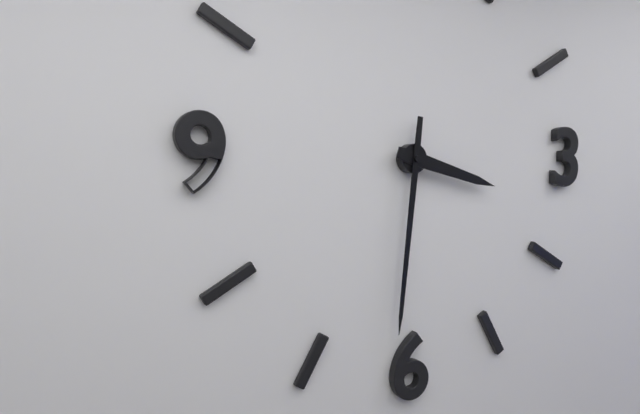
3.31
